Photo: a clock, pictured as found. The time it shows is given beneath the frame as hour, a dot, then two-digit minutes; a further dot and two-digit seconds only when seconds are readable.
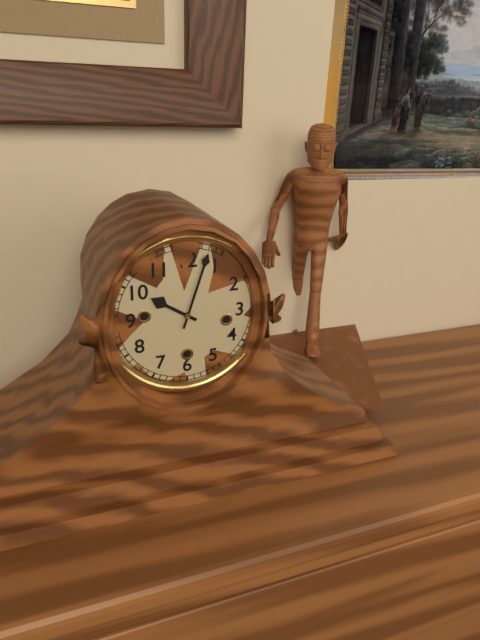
10.03
